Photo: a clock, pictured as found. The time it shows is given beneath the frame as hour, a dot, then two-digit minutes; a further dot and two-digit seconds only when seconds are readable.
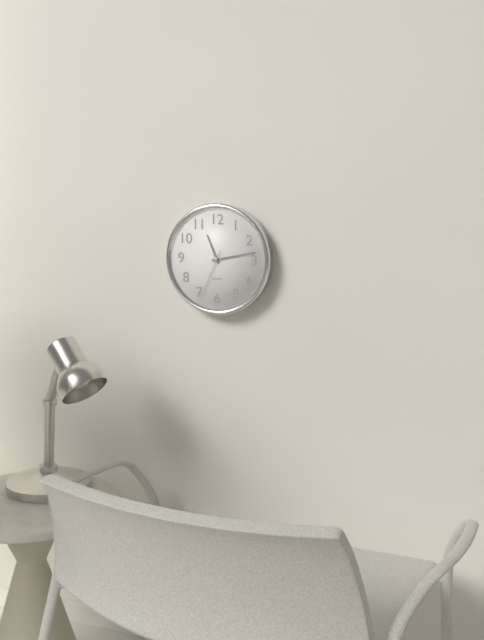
11.13.34
